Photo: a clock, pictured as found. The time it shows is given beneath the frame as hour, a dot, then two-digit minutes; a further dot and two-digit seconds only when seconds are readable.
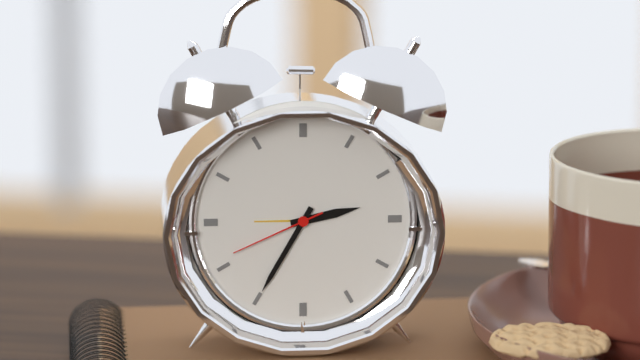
2.35.41
